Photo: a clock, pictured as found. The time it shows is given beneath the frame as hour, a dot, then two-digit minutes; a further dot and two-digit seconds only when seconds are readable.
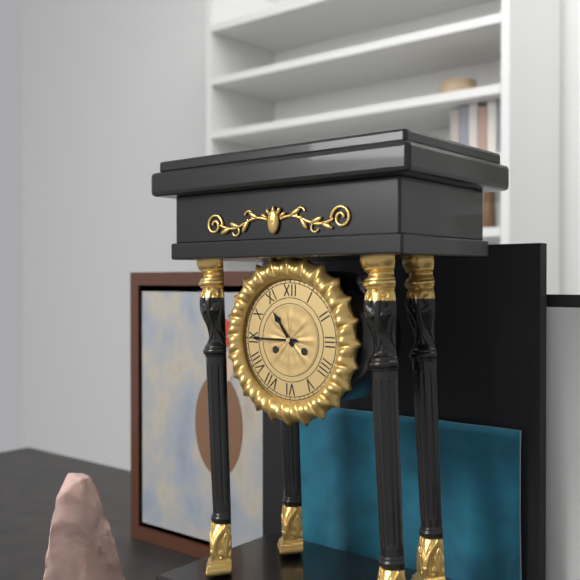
10.45
